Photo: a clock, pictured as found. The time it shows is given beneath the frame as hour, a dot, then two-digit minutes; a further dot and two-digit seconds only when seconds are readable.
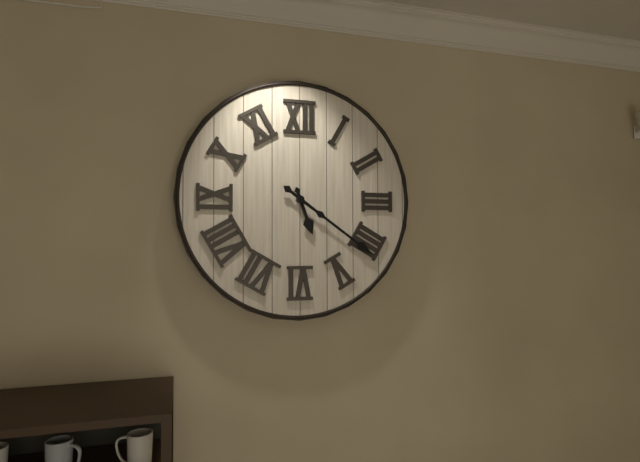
5.21
